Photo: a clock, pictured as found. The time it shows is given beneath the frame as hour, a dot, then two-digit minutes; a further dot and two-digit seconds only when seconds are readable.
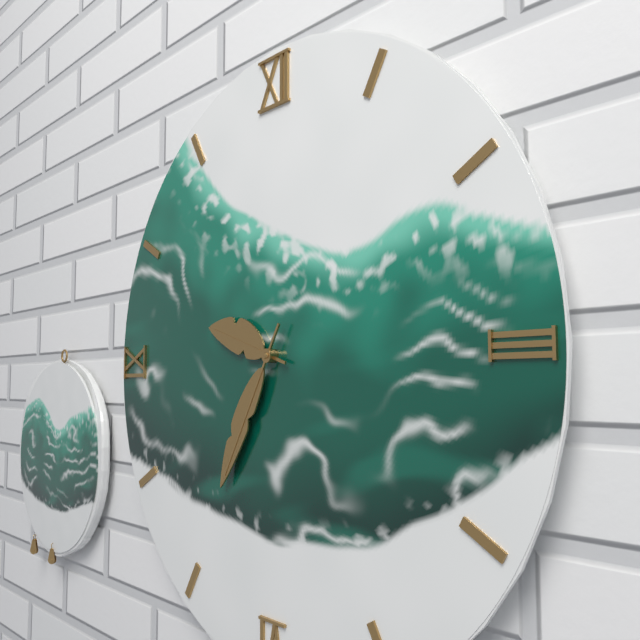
9.35
